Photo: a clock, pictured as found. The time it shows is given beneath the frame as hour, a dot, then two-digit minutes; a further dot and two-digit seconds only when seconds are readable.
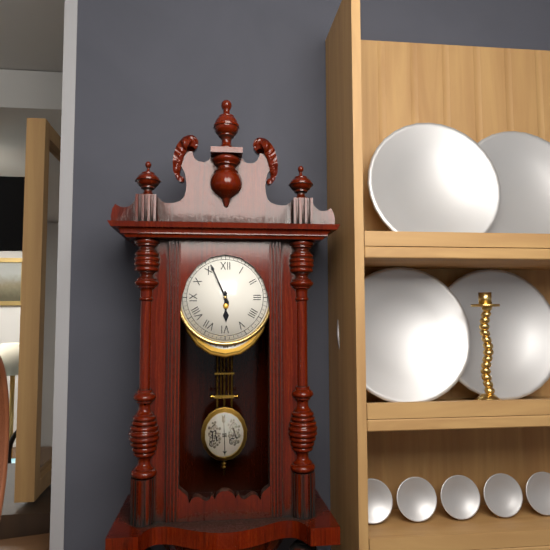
5.56
